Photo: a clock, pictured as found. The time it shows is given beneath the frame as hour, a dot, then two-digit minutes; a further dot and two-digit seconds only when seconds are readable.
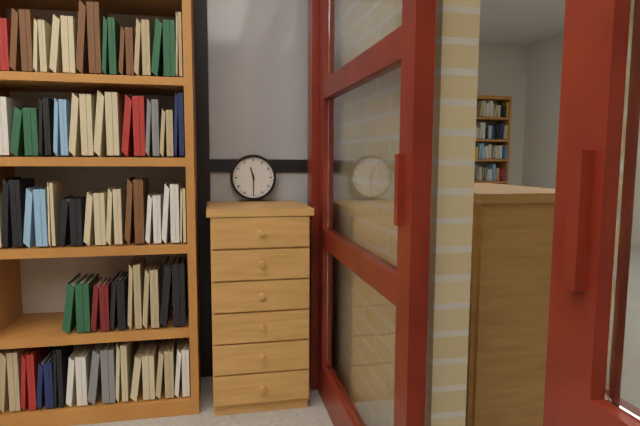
11.30
